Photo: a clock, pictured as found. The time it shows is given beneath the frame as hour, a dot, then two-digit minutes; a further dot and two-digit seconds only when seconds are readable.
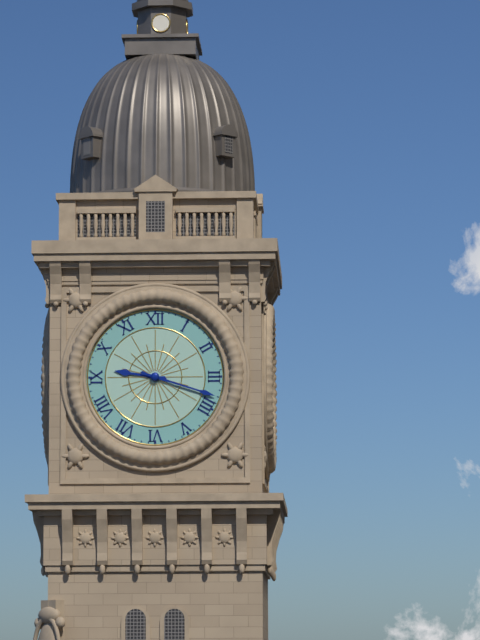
9.18
